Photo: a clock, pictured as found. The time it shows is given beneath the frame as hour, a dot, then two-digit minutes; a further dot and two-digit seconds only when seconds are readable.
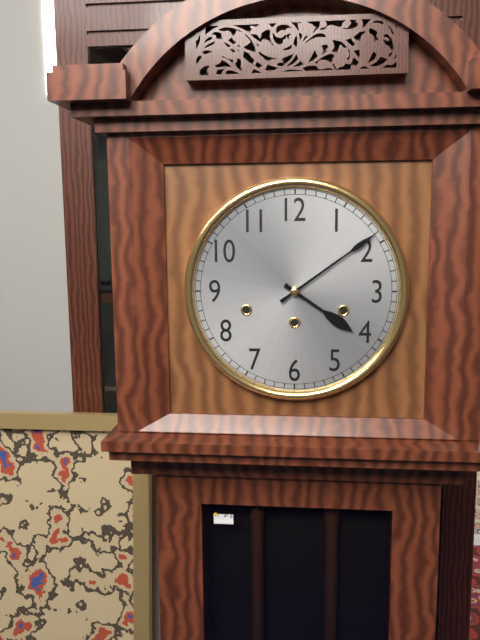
4.09
